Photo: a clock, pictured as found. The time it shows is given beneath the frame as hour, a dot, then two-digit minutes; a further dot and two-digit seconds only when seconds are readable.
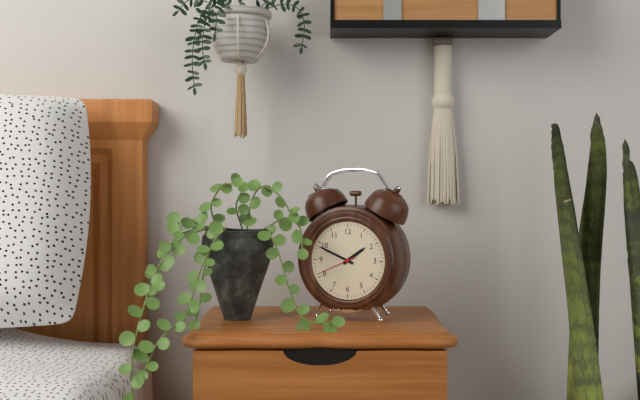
1.49
